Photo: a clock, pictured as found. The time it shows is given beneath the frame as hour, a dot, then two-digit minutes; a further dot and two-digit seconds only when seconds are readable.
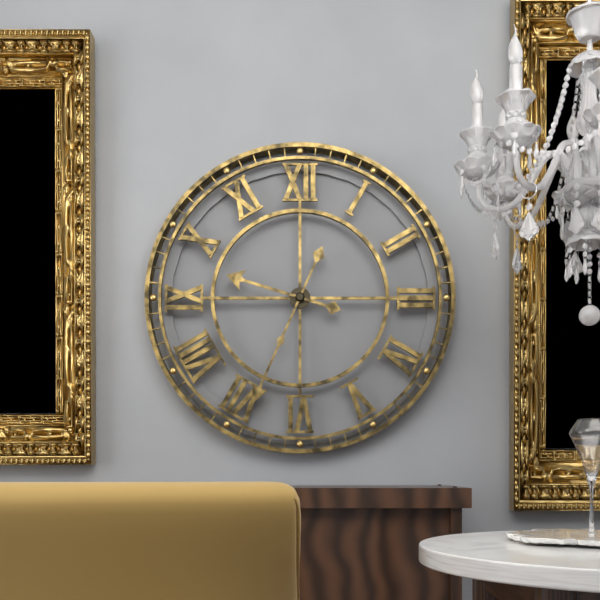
9.34
